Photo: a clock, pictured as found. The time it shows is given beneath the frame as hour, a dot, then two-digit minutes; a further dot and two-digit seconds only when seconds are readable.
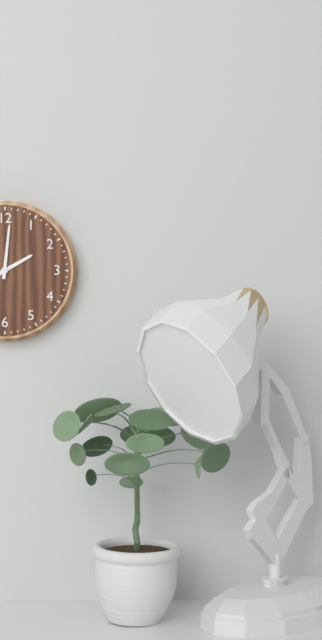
2.01
